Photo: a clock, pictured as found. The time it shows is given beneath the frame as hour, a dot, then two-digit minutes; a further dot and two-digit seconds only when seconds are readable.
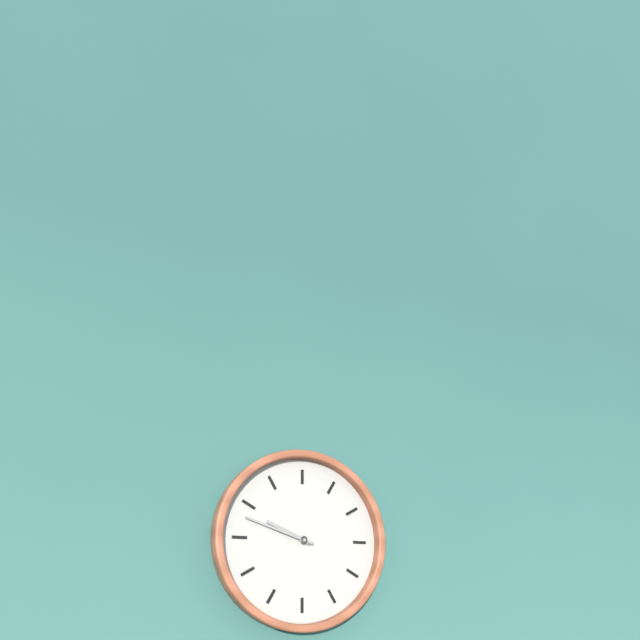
9.48
